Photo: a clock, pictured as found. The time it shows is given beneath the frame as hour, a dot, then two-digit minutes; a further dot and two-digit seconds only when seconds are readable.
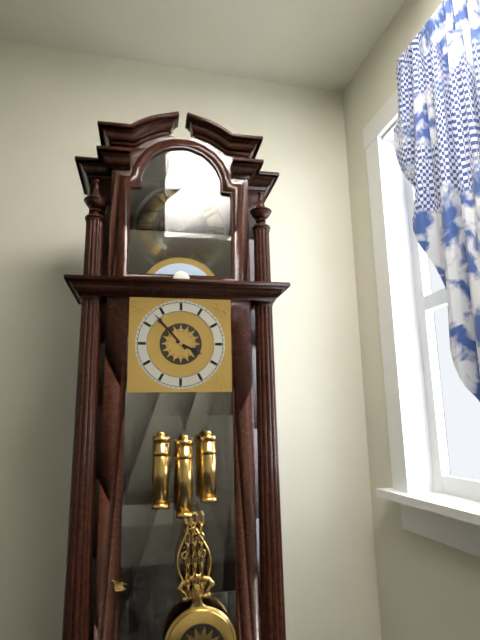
3.53
